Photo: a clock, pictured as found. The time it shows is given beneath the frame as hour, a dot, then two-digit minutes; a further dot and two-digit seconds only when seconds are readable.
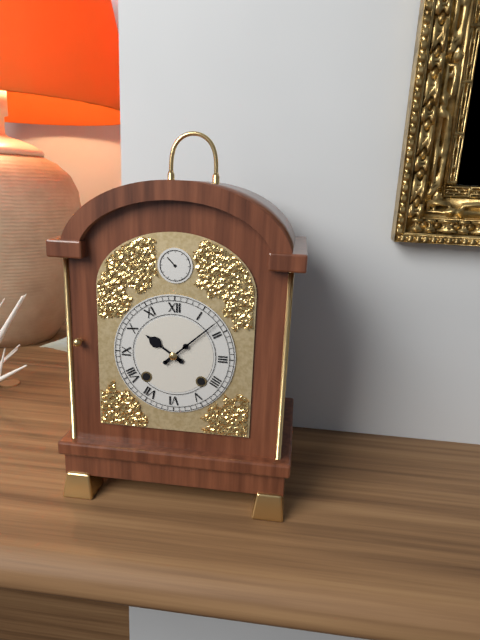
10.08
